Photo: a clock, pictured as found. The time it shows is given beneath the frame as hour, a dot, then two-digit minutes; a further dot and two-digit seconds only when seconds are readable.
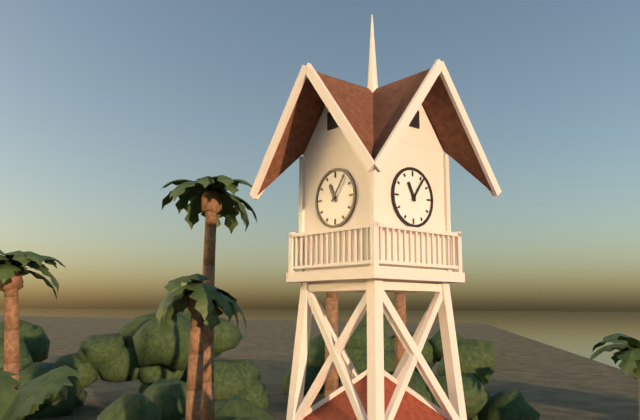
11.06
